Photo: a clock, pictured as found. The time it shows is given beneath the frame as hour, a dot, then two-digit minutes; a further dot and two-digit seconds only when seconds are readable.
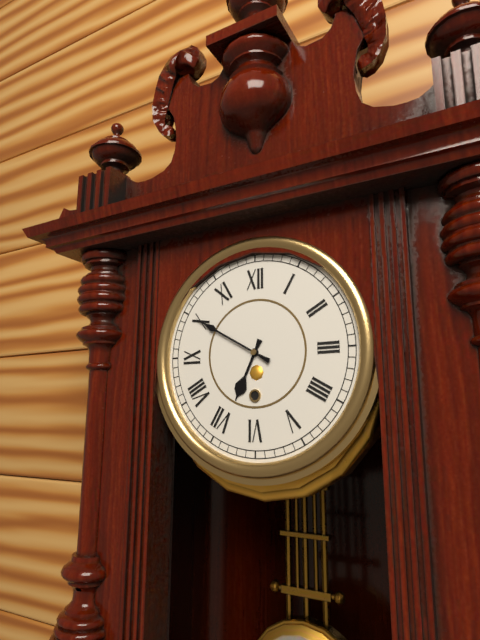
6.50
